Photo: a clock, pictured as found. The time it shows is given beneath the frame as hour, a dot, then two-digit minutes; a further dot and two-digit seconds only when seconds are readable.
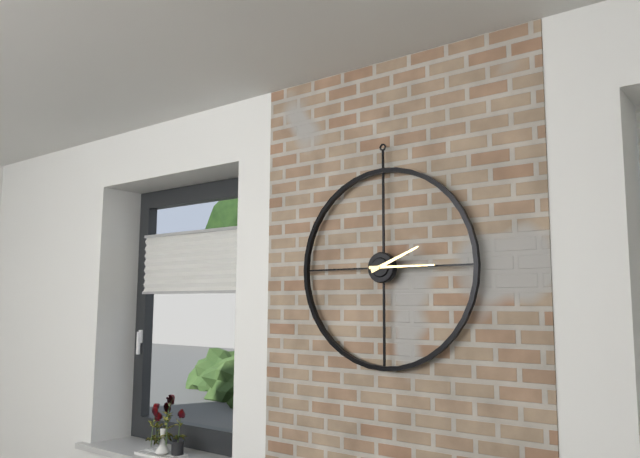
2.15
